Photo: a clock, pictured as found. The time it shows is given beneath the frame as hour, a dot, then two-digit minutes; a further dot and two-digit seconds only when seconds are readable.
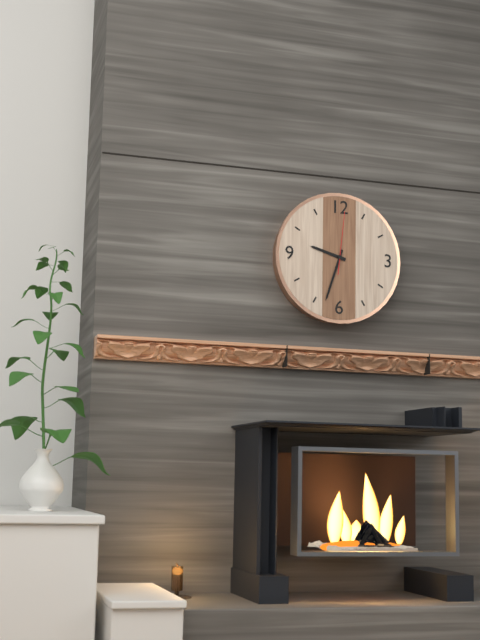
9.33.01
